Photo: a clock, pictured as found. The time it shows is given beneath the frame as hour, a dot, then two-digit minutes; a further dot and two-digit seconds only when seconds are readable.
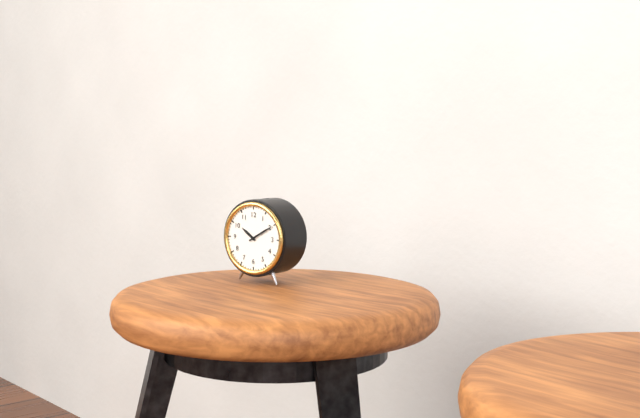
10.10
